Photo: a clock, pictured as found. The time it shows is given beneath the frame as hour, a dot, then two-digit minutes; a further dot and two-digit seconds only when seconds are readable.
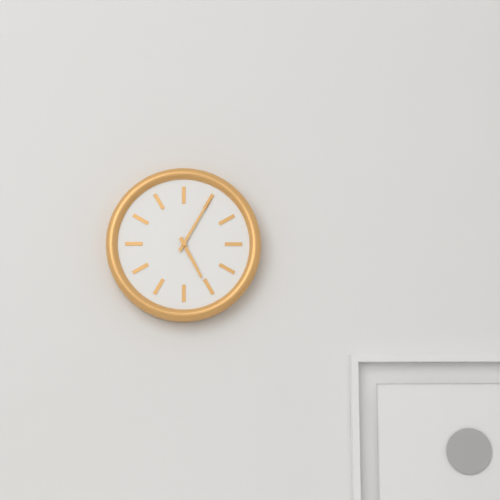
5.05
